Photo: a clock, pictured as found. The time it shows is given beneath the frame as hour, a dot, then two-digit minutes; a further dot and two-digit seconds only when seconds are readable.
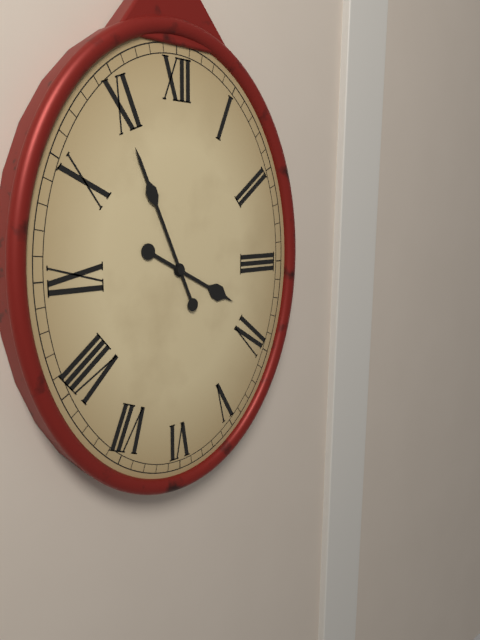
3.56
